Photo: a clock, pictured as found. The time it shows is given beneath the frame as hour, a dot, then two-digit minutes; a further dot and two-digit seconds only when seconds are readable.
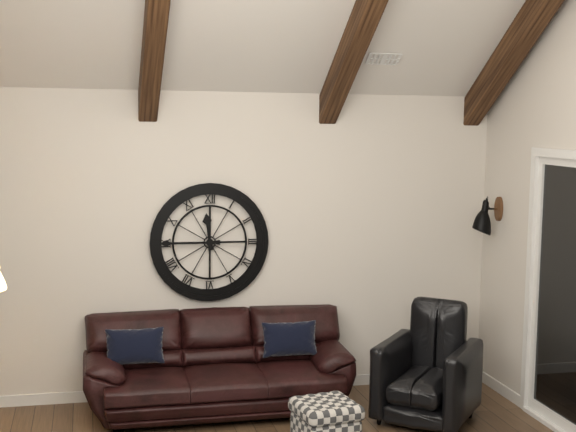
11.45
